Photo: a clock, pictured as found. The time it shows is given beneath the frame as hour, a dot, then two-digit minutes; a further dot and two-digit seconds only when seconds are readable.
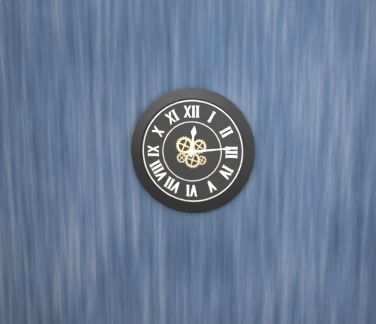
12.14
